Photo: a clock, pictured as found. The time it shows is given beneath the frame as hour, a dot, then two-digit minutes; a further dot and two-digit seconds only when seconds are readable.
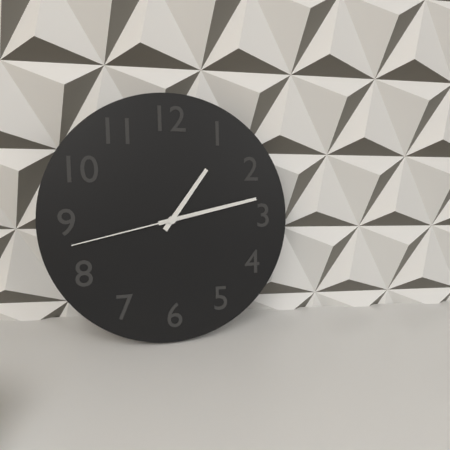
1.13.43
